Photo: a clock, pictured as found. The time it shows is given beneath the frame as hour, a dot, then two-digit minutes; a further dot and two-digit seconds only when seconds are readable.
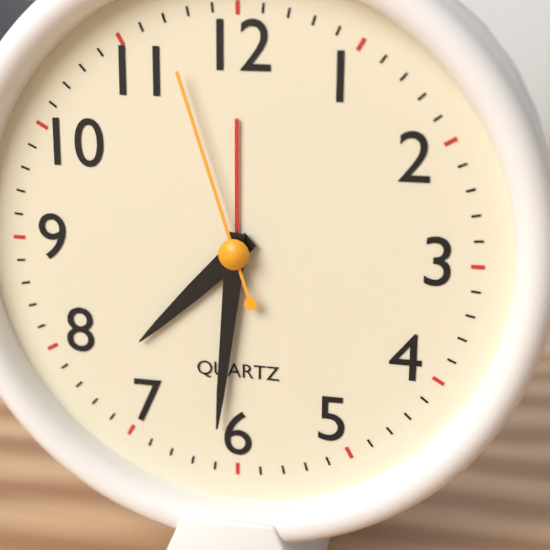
7.31.57
